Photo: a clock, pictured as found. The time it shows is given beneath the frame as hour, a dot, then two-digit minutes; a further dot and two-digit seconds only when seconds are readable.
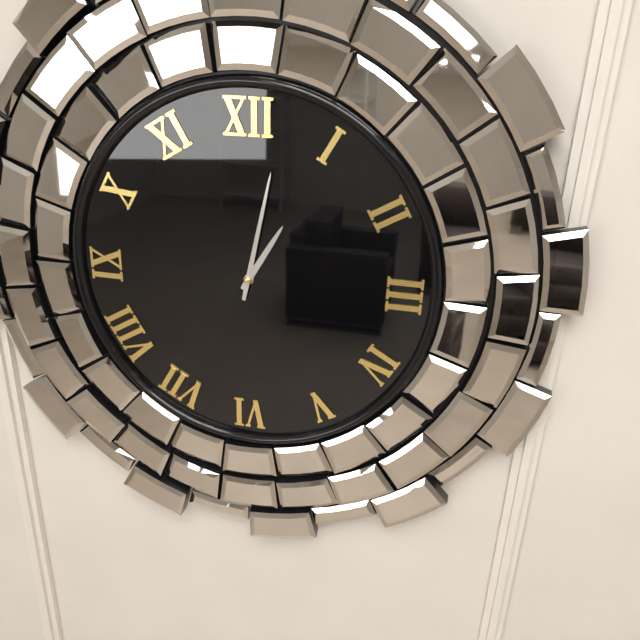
1.02
